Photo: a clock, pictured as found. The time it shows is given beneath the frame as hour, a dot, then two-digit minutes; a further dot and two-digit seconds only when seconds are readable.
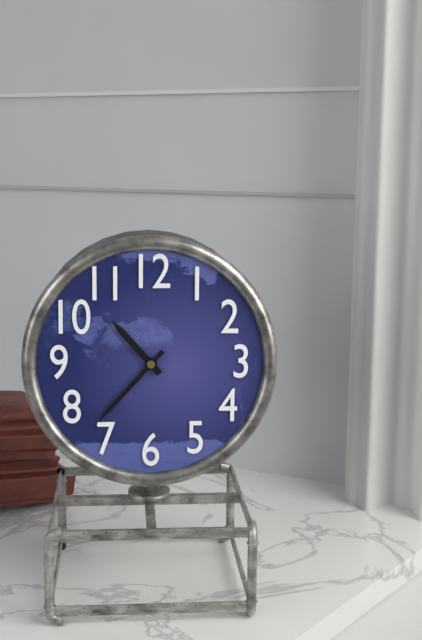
10.37
